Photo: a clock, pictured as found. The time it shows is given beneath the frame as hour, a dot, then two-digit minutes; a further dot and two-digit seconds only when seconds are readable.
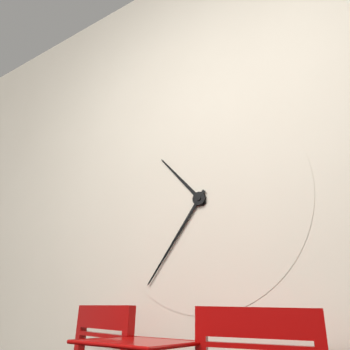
10.36
